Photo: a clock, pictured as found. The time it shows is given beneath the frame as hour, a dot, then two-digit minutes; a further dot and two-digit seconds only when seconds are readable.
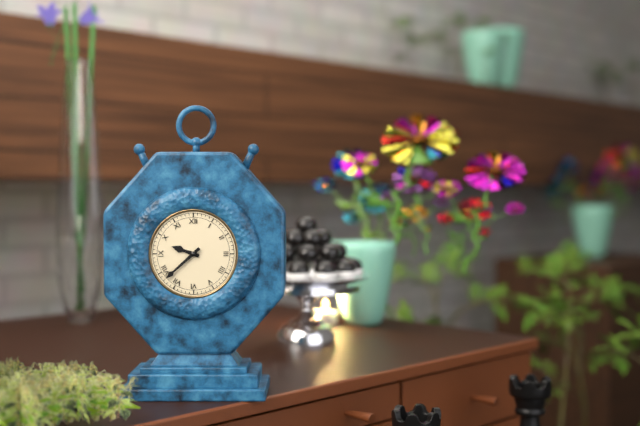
9.38
